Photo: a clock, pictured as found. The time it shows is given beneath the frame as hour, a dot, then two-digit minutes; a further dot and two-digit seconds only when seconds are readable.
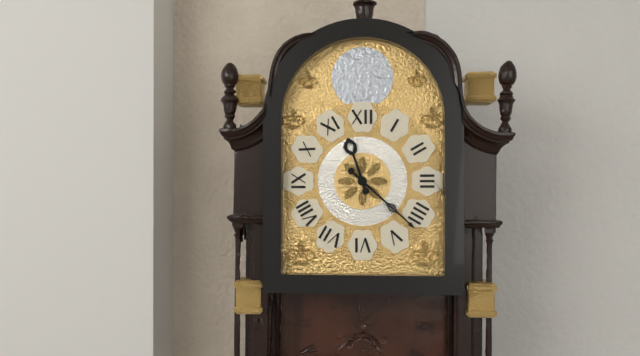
11.22
